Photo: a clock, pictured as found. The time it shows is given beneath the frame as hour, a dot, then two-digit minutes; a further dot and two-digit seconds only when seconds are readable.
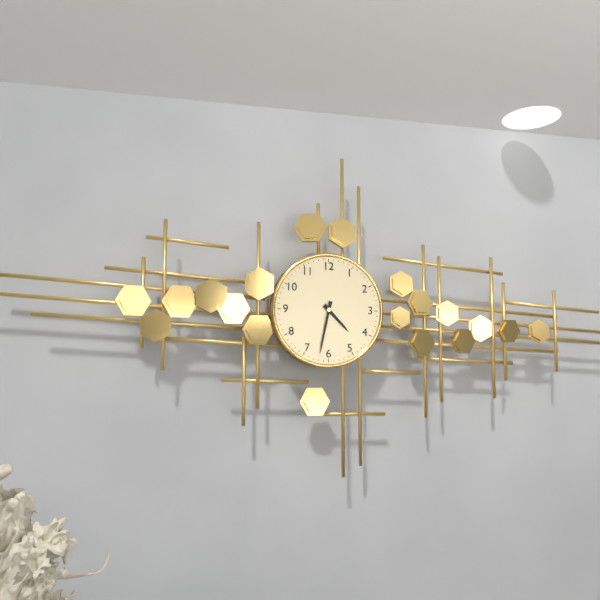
4.32
